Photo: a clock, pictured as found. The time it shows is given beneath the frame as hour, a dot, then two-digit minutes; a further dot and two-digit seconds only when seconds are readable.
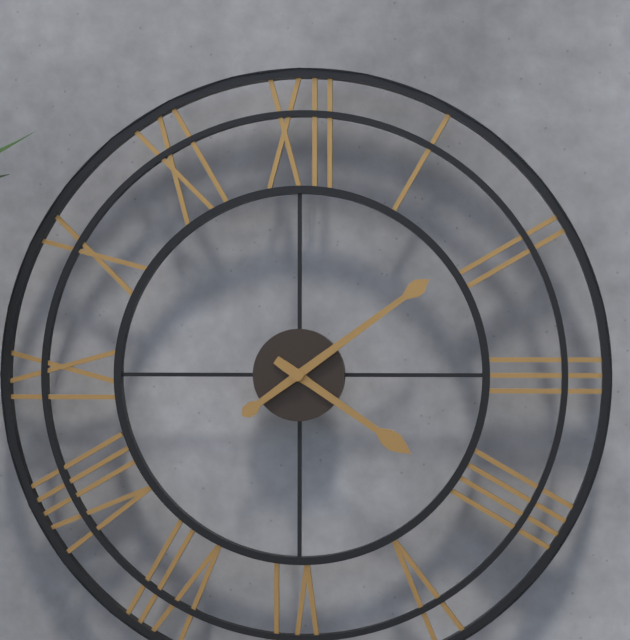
4.09
